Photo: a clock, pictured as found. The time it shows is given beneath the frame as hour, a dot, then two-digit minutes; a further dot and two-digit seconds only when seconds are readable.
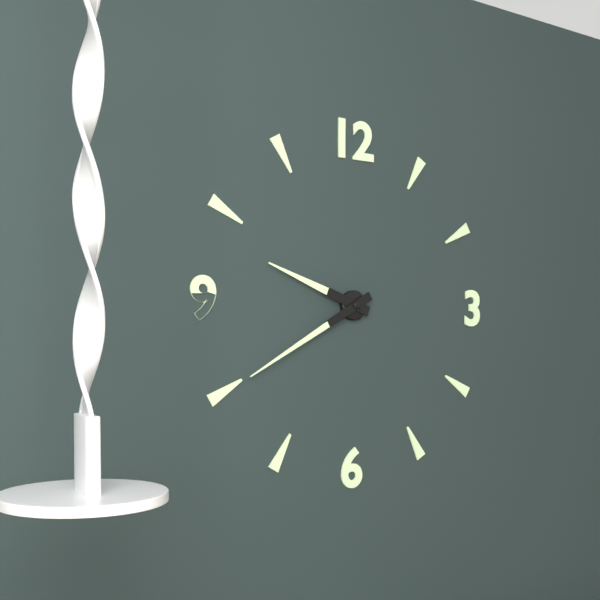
9.40
